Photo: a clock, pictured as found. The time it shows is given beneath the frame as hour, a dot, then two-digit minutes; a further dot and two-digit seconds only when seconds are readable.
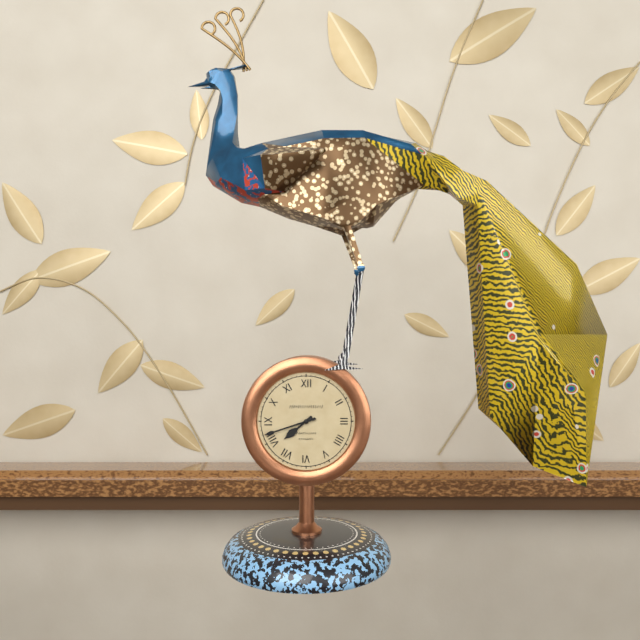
7.42
